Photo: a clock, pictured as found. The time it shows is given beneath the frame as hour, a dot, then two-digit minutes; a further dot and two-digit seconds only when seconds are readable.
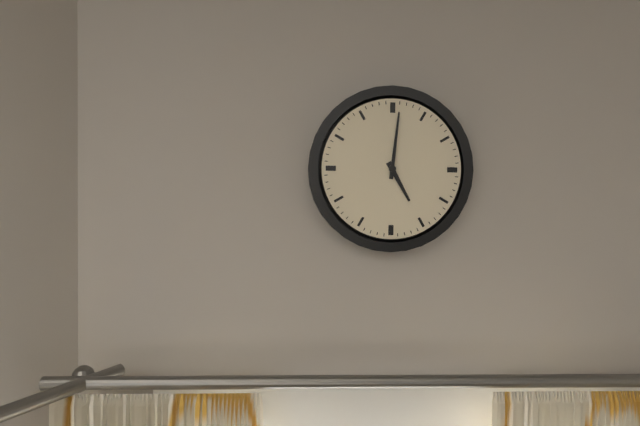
5.01
